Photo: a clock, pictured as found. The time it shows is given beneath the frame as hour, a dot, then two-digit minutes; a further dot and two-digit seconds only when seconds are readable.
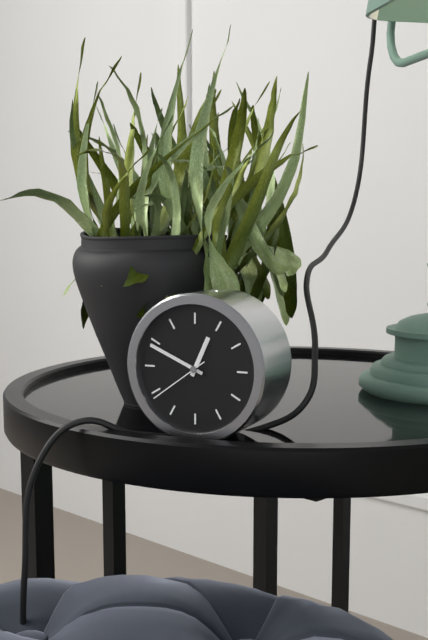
12.49.39
